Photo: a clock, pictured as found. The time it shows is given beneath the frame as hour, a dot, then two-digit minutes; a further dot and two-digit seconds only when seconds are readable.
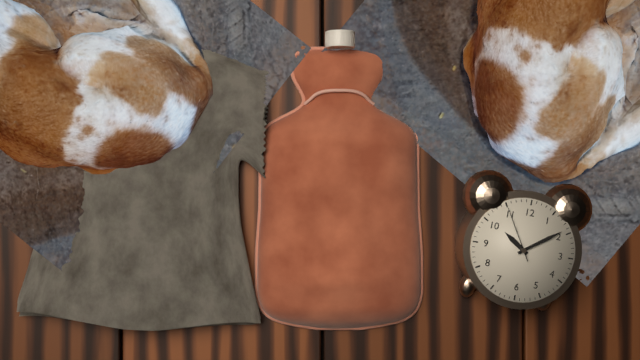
10.09.55
